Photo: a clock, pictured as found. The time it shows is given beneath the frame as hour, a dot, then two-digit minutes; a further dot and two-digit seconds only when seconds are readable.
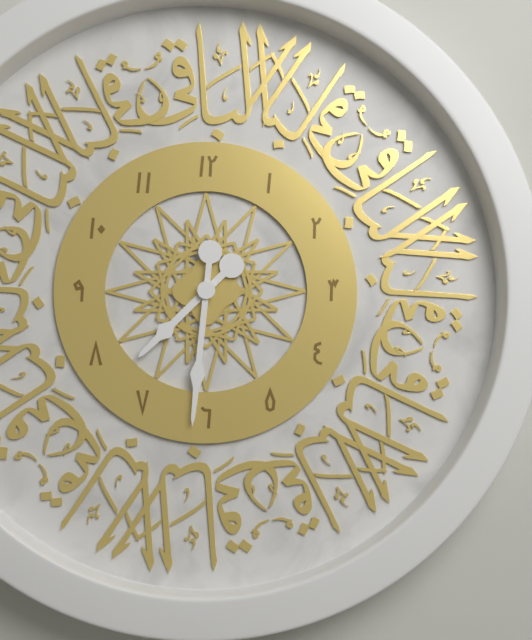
7.31
